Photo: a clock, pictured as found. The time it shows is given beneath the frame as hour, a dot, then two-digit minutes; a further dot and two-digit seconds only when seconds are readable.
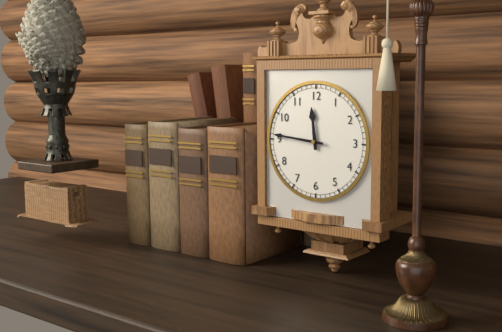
11.46
